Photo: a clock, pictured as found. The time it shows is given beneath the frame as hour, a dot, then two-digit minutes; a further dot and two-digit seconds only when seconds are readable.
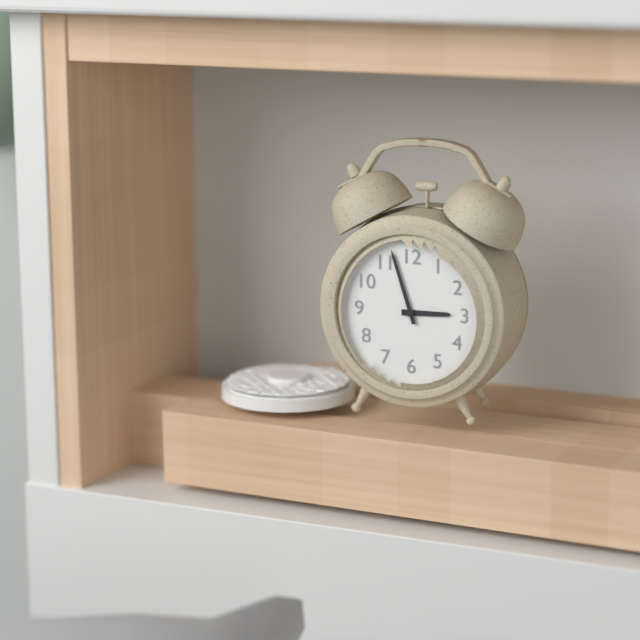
2.57
